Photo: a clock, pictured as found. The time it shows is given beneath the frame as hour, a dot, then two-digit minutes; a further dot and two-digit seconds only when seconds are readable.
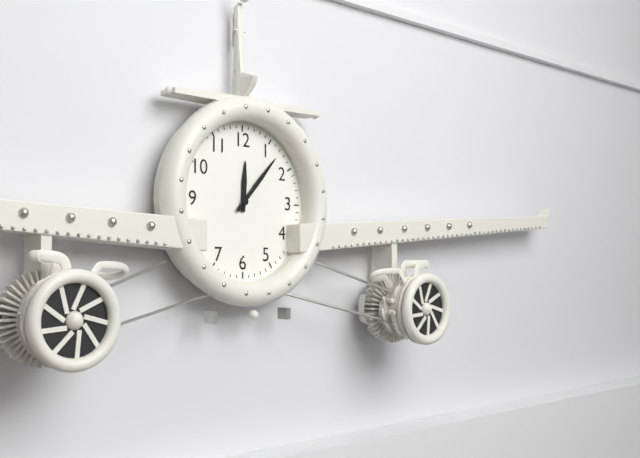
12.07
